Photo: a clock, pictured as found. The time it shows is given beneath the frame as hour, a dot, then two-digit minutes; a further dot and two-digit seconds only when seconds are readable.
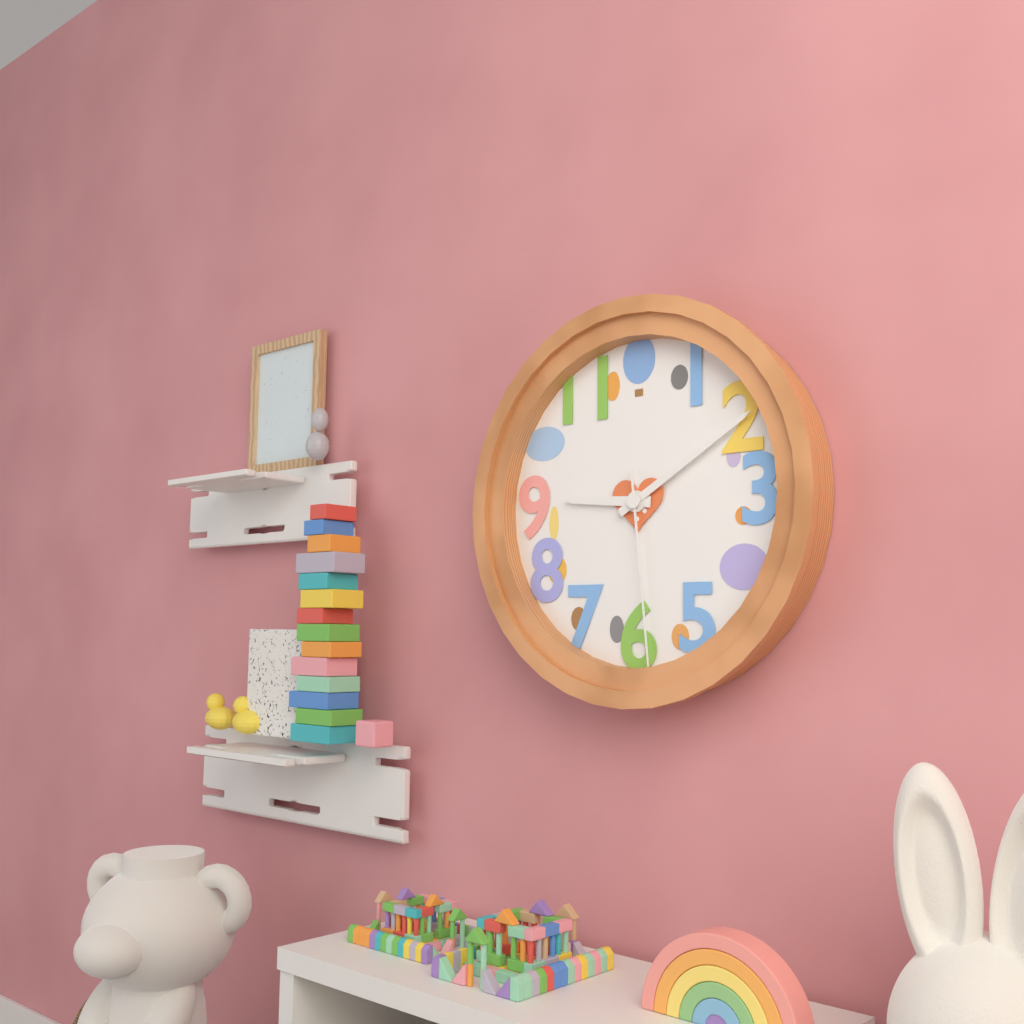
9.10.29
